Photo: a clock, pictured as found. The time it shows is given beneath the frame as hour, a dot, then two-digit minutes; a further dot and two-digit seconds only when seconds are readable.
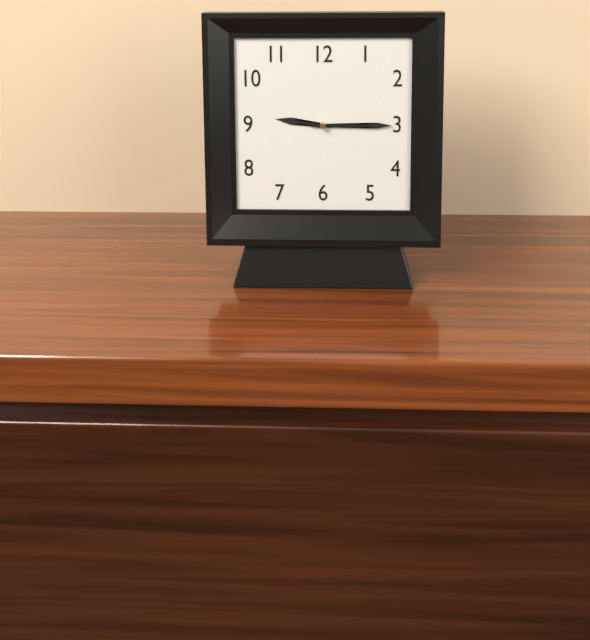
9.15
